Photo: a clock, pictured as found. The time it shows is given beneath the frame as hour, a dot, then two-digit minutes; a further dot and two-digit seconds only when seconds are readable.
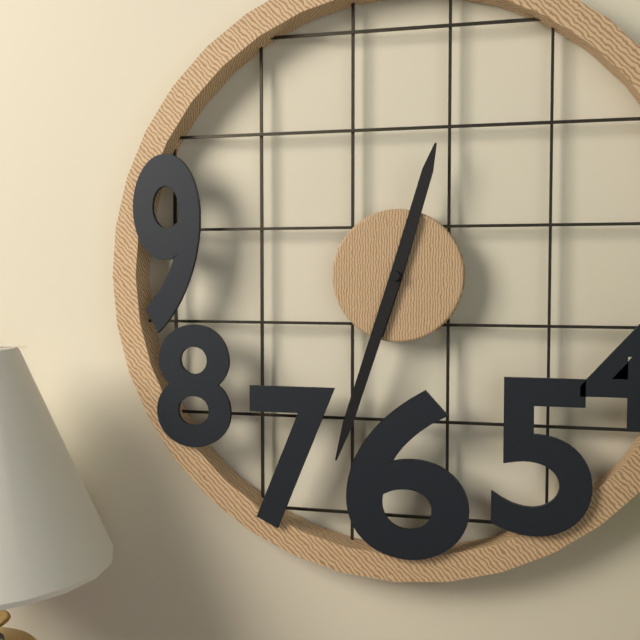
12.33
